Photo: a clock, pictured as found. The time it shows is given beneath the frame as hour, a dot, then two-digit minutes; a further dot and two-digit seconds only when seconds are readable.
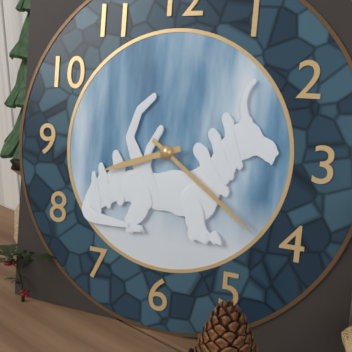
8.21
